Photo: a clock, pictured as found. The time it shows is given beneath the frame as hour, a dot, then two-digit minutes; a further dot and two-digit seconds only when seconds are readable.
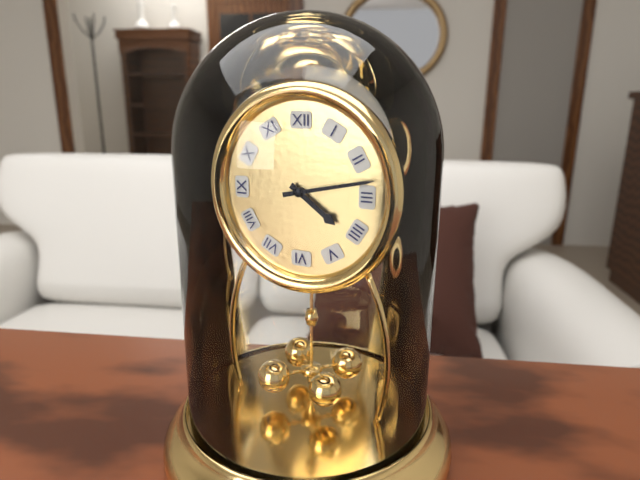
4.13
